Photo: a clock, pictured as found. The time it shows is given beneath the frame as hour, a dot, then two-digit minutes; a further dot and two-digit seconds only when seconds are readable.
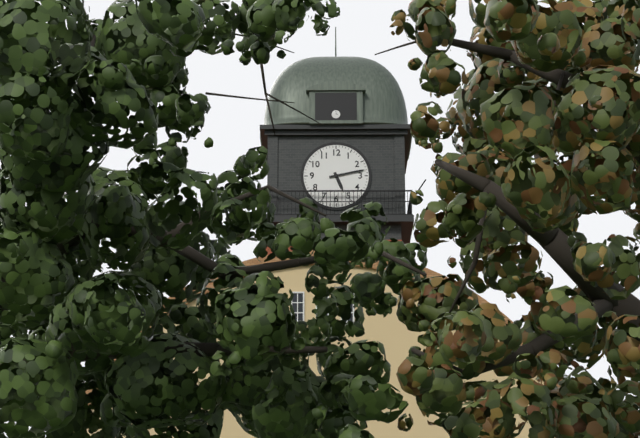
5.13
